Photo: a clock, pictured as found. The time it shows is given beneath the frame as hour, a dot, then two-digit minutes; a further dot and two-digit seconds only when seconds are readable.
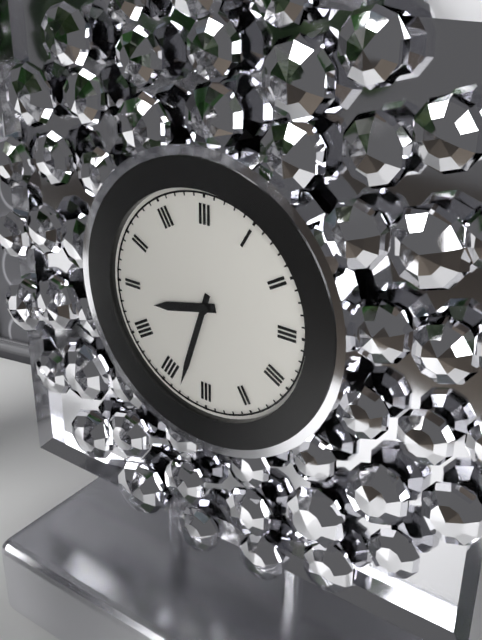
8.33
